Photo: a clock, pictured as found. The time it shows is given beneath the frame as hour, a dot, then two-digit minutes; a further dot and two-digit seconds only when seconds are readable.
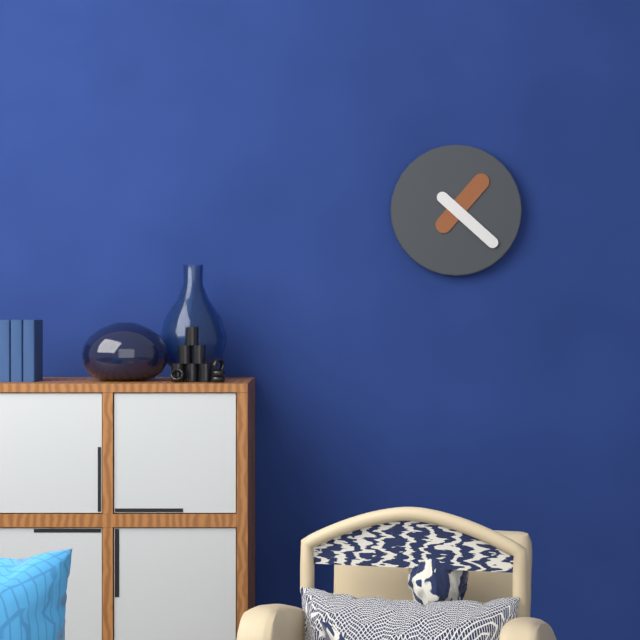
1.22
